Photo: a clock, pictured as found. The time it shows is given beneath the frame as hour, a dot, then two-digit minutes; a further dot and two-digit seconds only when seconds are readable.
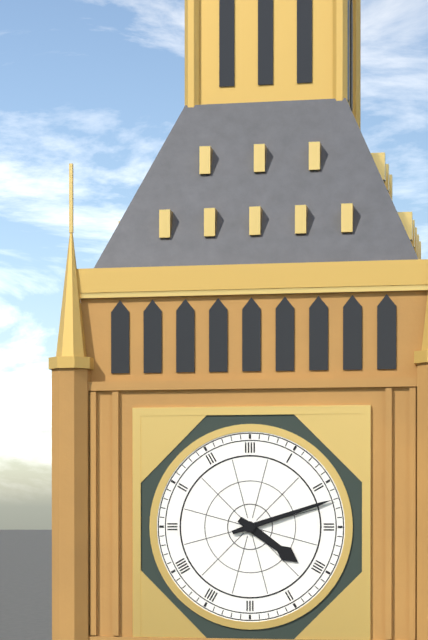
4.12
